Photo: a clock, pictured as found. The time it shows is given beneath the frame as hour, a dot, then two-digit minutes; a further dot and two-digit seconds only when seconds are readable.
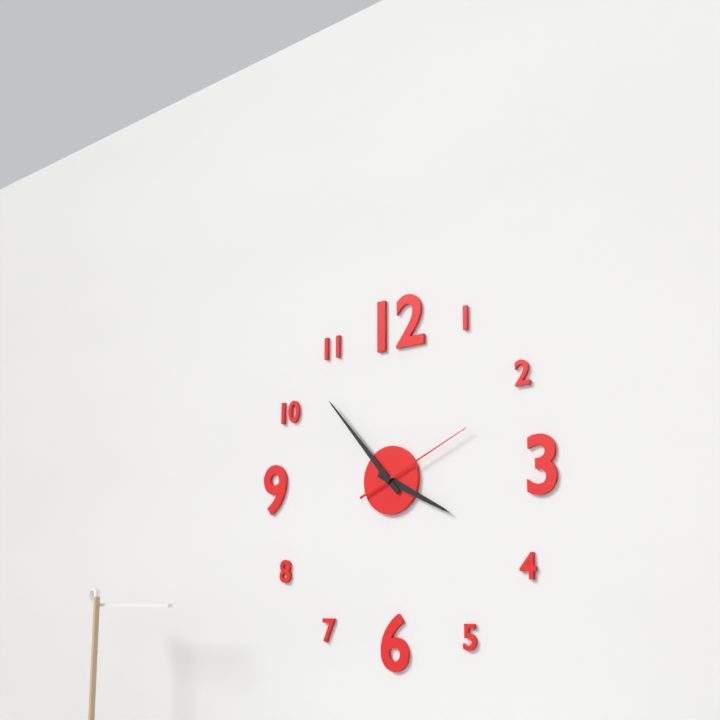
3.53.11
